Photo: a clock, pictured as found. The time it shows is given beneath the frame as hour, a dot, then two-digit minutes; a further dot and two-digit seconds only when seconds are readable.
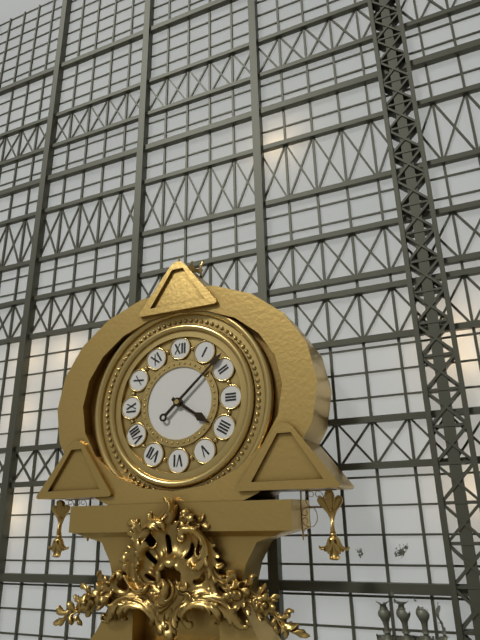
4.08
